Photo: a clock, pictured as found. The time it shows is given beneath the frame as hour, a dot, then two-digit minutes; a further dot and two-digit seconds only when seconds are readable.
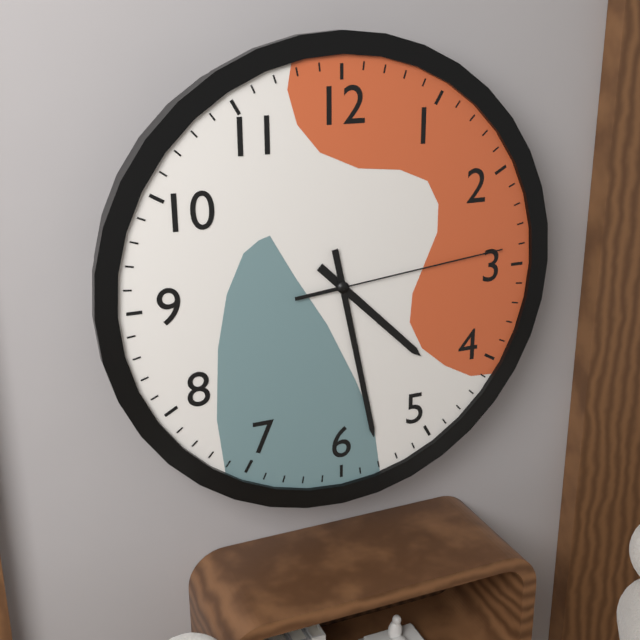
4.28.14
